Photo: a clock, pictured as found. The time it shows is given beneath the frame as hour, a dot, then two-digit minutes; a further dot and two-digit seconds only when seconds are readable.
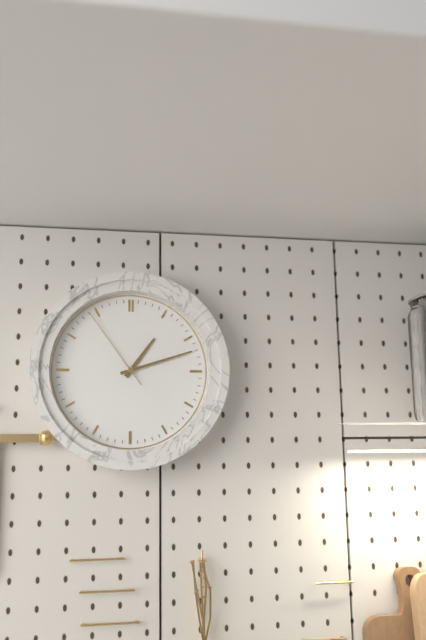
1.12.54
